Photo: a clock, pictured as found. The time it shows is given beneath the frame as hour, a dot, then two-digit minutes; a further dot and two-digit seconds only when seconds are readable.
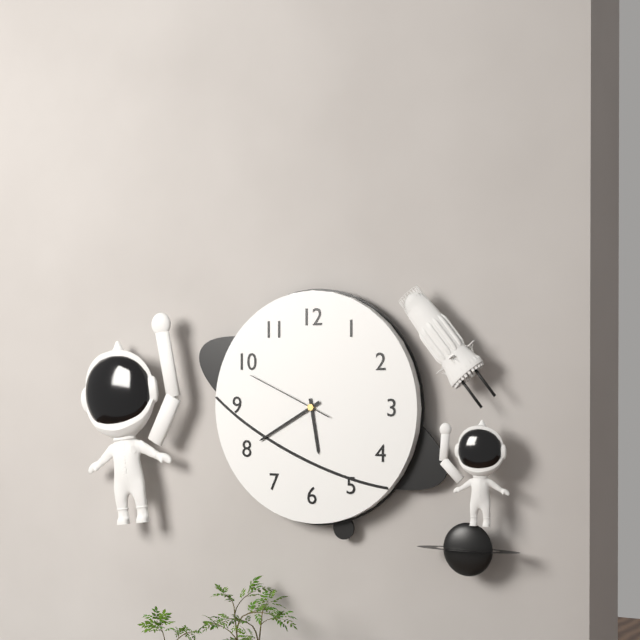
5.40.49
